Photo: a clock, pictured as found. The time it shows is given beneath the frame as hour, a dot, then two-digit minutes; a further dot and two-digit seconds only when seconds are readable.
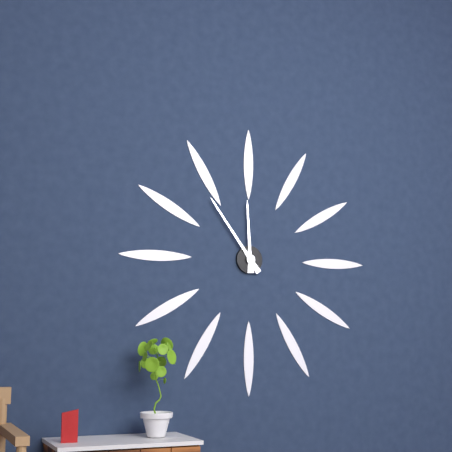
11.54
